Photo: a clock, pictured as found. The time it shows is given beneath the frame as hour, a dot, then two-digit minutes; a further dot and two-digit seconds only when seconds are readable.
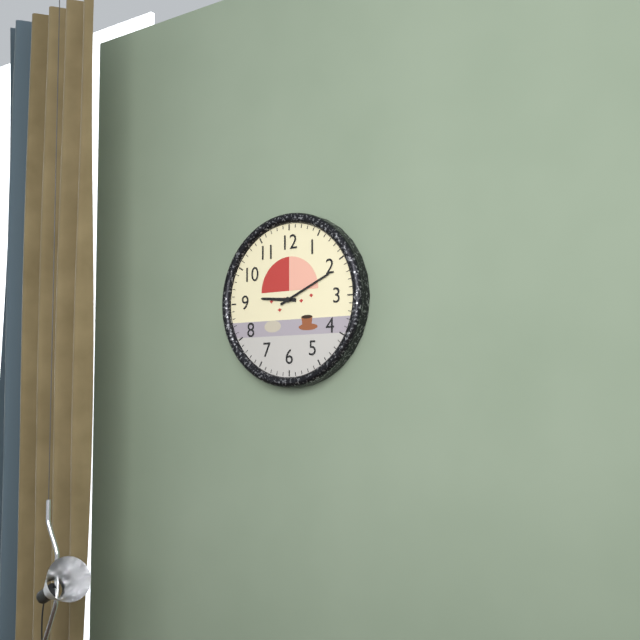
9.11
